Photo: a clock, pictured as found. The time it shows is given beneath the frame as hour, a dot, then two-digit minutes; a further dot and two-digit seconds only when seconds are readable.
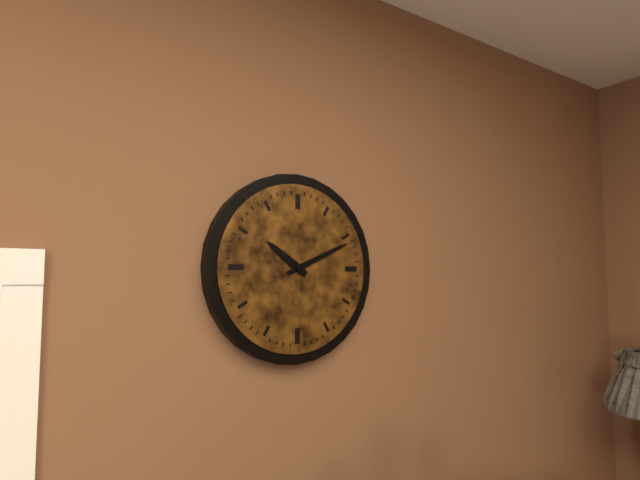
10.11
